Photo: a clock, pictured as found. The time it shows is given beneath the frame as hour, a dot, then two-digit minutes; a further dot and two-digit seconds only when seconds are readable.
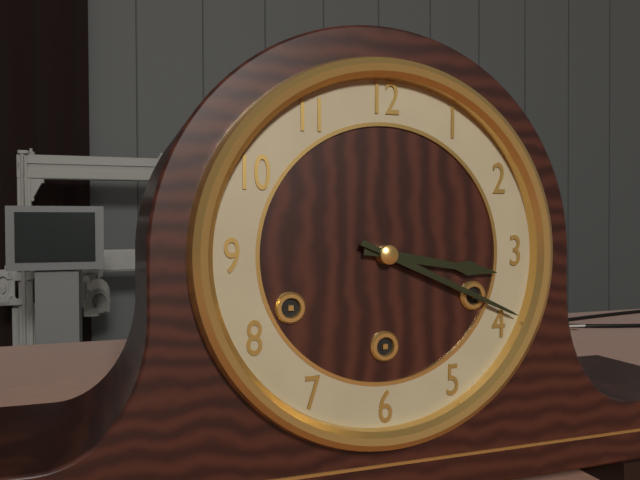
3.19
